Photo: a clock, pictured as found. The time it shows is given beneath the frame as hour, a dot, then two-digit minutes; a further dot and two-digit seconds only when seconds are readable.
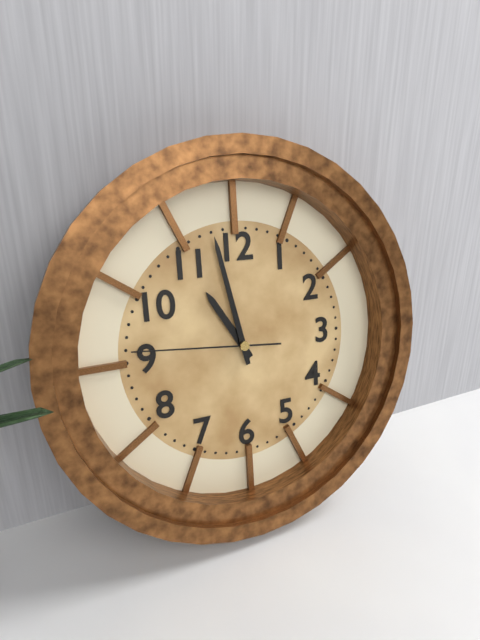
10.58.46
